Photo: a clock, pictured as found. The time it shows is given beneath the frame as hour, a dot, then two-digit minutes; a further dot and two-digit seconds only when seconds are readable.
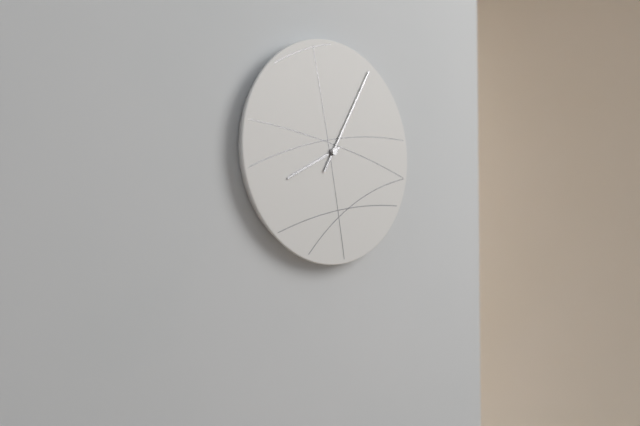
8.05
